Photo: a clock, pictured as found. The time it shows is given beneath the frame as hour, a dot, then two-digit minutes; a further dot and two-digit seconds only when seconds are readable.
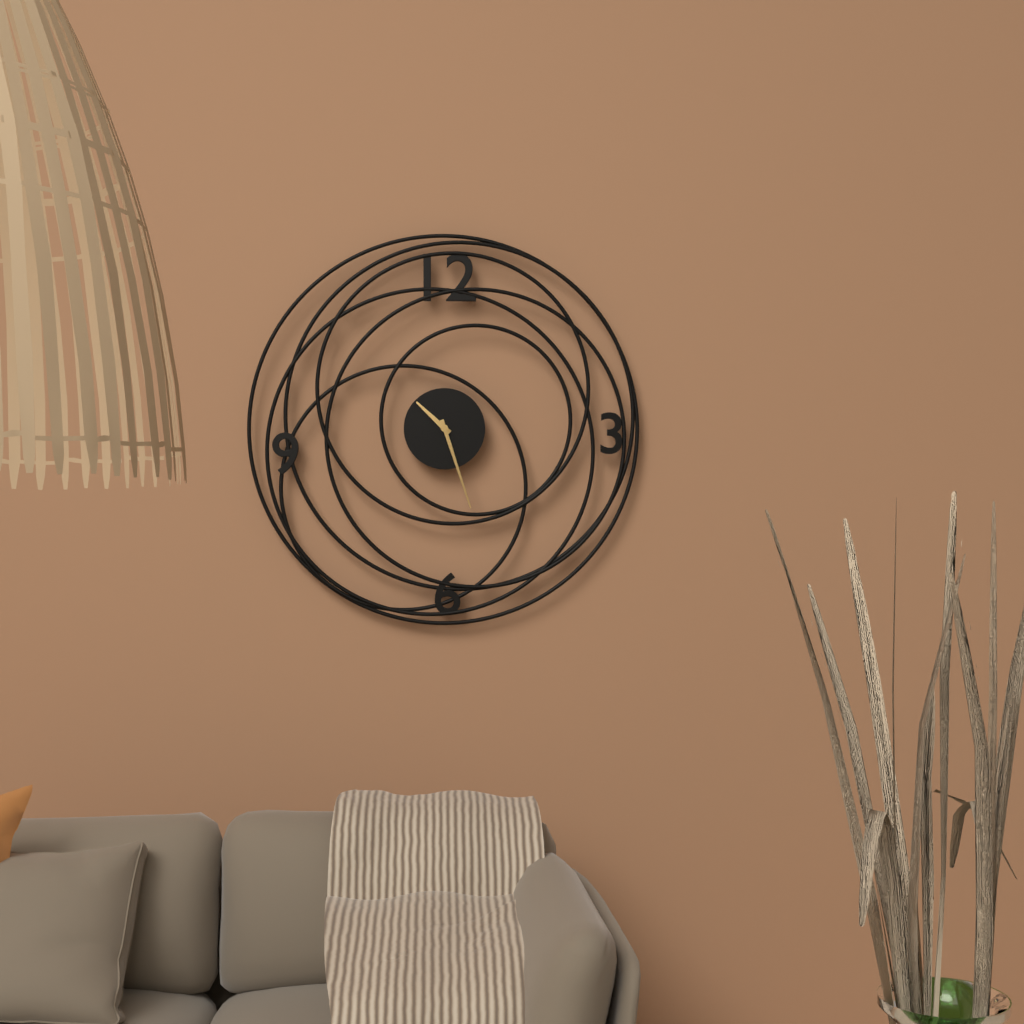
10.27
